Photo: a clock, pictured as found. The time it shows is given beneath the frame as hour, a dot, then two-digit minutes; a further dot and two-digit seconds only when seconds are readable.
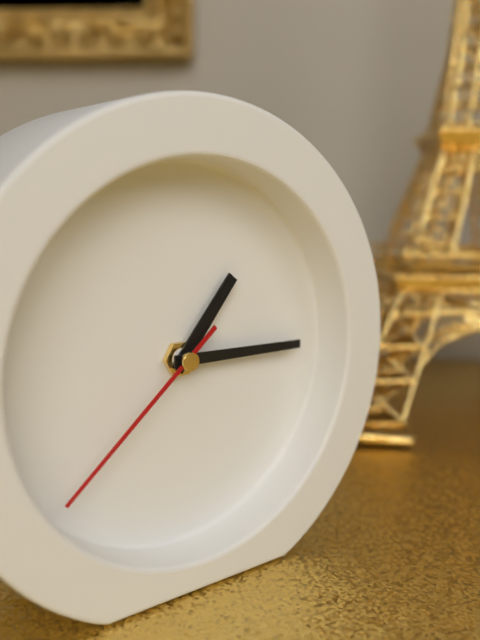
1.15.38
